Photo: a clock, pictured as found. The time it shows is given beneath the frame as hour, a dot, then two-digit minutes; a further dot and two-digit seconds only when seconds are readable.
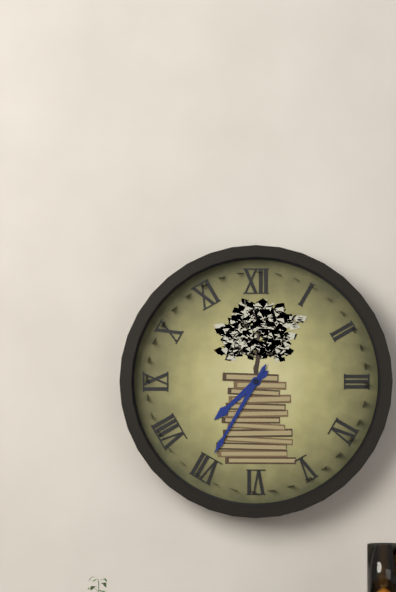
7.35
